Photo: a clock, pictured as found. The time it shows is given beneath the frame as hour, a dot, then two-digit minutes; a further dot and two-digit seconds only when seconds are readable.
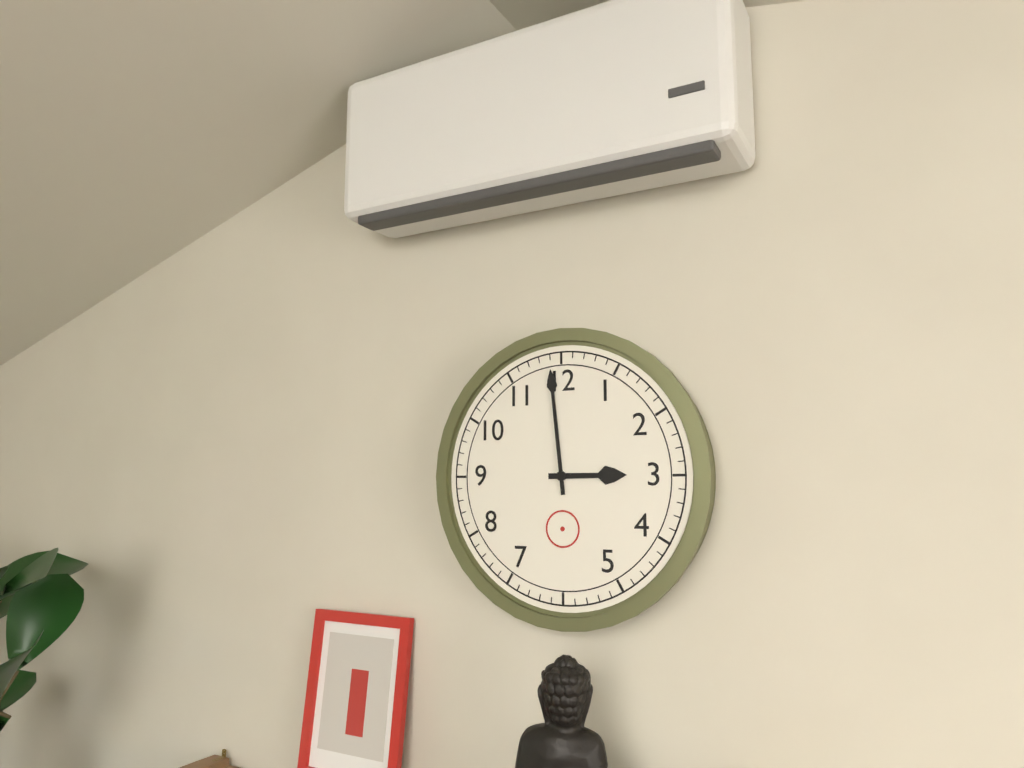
2.59
